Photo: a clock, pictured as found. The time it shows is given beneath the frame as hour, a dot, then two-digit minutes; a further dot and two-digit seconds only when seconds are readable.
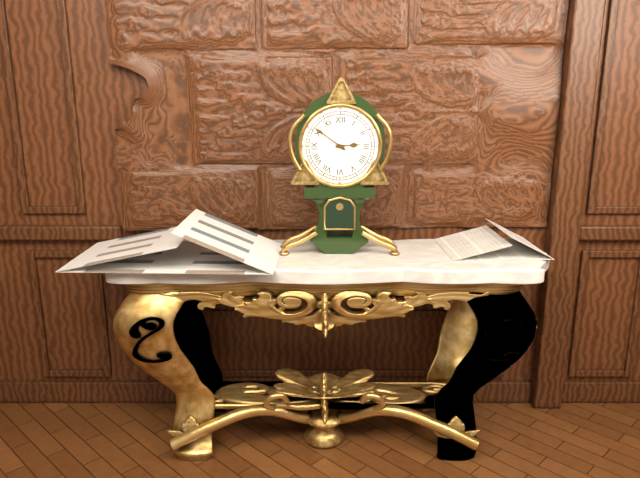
2.51
